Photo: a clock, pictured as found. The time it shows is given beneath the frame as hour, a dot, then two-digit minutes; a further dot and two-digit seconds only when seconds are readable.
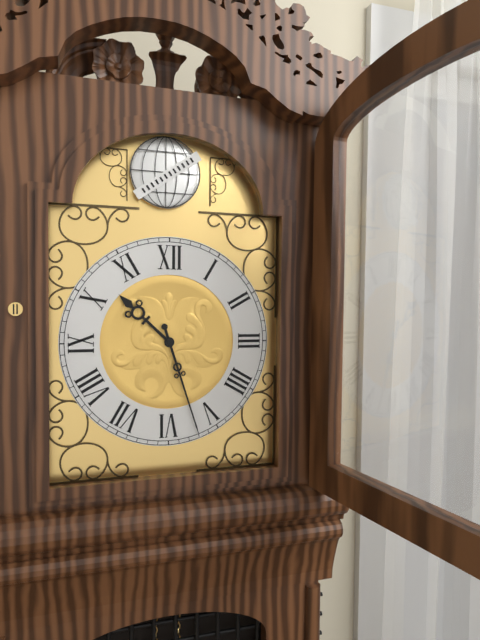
10.27
